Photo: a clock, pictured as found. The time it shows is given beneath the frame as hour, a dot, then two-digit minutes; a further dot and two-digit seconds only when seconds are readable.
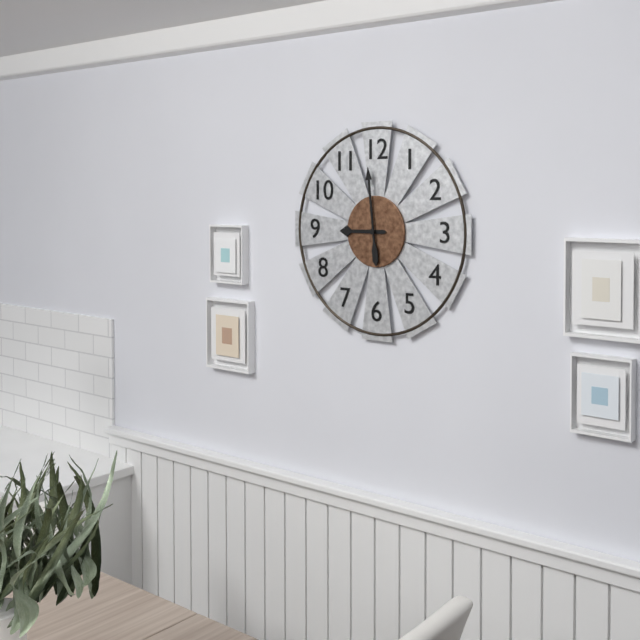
8.59
